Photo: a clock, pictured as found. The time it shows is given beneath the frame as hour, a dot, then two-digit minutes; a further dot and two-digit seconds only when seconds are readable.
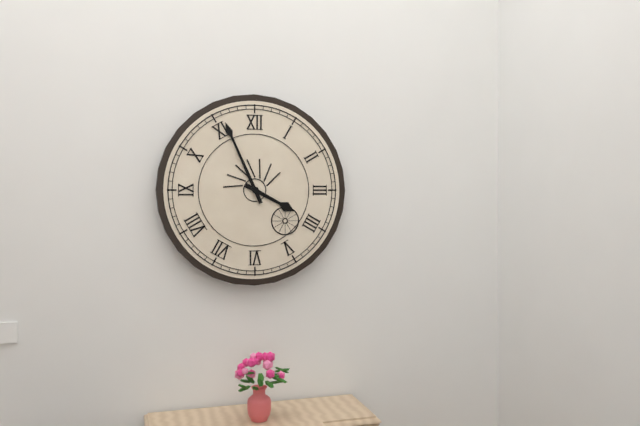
3.56
